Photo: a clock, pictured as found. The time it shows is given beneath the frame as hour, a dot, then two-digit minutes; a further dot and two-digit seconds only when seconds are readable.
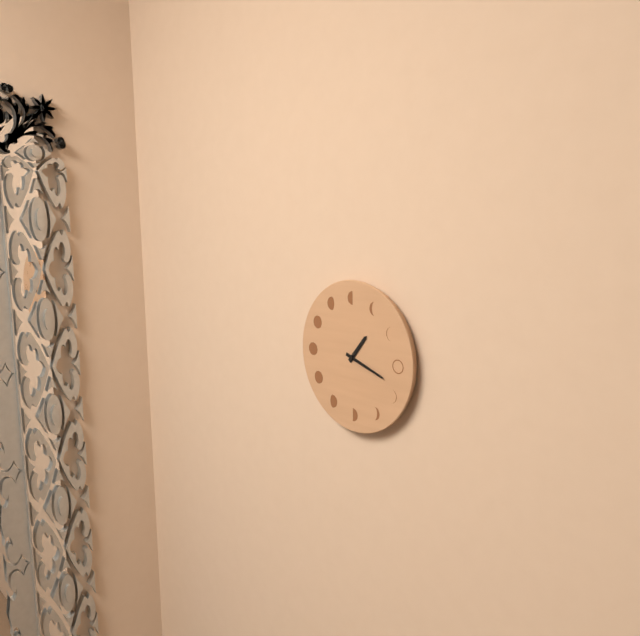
1.18
